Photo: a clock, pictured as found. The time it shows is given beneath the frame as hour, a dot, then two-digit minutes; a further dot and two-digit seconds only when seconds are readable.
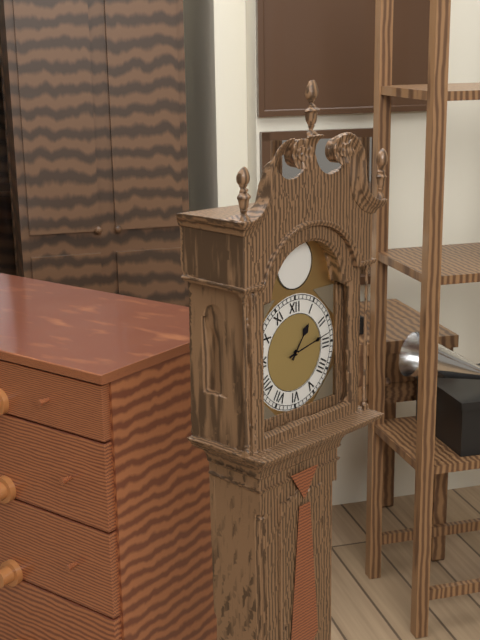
1.13
